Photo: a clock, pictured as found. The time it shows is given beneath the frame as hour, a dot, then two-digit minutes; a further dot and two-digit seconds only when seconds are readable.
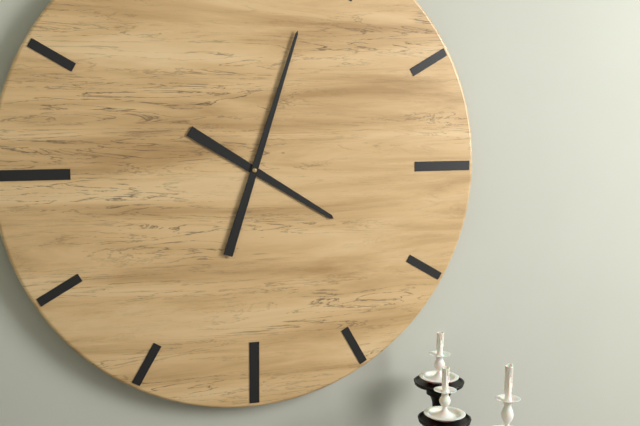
4.03
